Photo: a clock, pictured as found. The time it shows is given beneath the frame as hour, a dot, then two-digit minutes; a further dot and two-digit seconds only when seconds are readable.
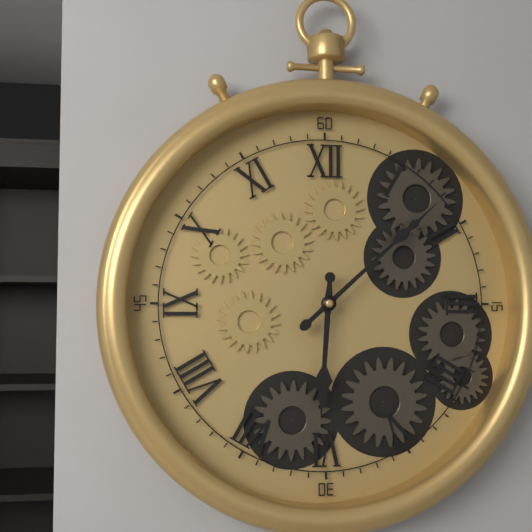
6.08
